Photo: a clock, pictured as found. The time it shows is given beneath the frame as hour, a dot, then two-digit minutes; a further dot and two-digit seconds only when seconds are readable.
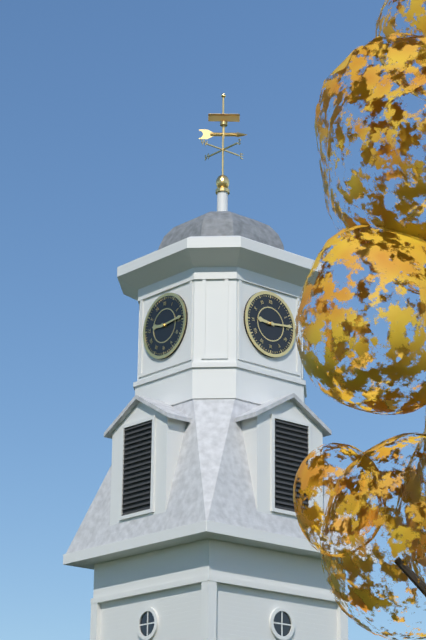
9.14
